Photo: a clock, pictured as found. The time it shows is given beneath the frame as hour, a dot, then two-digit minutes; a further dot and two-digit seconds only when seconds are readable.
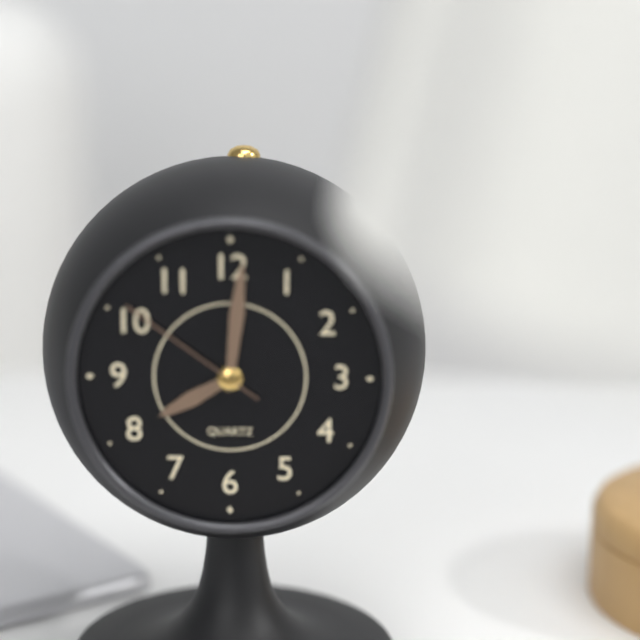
8.01.51
